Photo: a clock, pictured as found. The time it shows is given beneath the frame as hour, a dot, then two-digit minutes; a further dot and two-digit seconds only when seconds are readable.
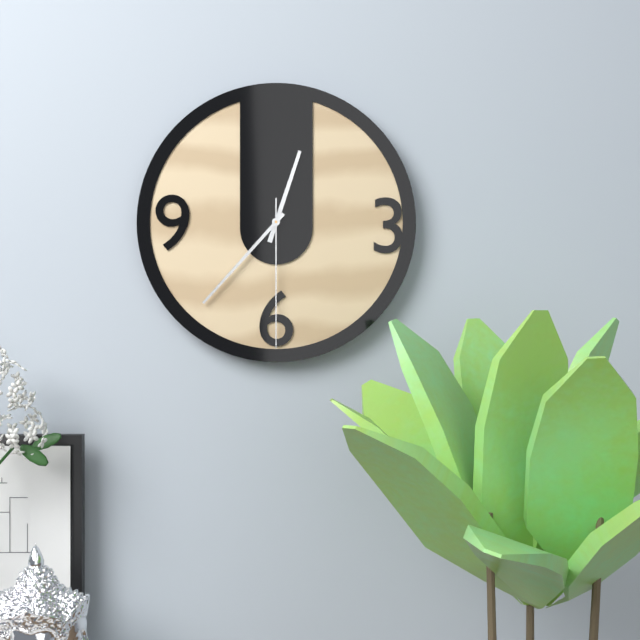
12.37.30
